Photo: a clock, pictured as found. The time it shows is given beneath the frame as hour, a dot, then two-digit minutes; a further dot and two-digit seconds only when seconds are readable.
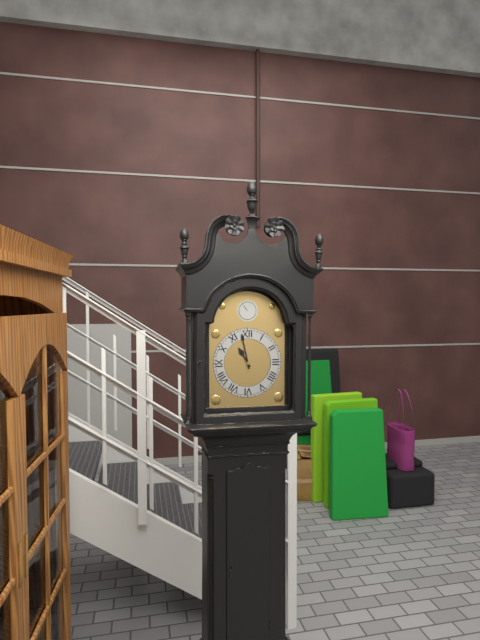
10.58
